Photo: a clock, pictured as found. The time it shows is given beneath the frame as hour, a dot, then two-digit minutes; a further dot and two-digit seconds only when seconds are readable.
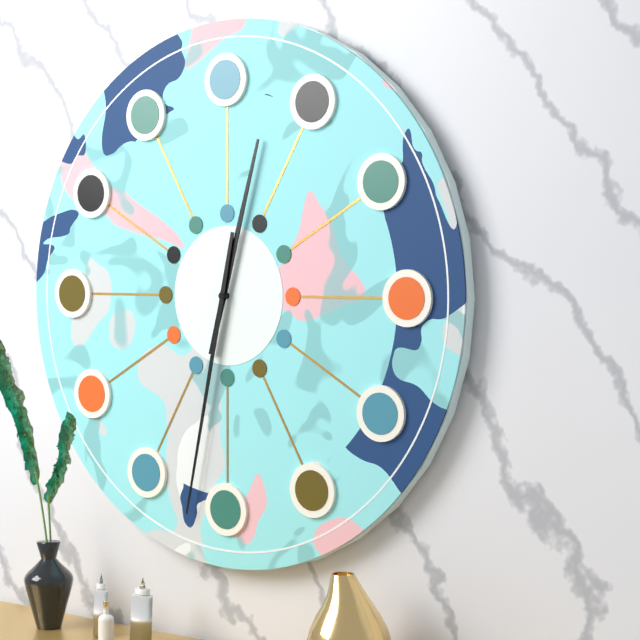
12.32
